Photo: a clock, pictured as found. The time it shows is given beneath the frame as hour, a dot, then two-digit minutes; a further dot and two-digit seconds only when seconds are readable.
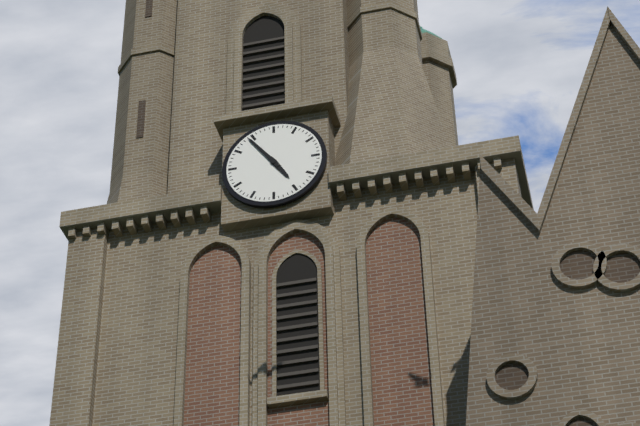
4.54
